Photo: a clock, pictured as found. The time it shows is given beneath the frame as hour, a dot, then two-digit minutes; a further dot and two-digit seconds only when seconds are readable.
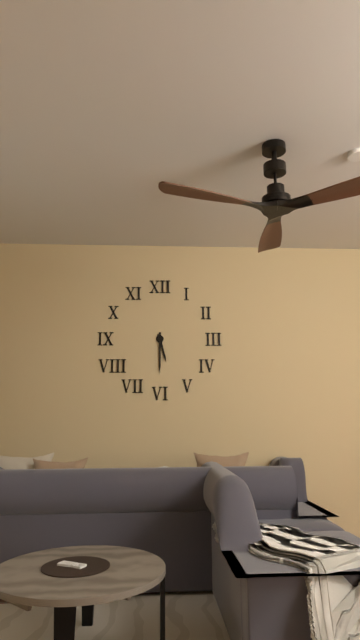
5.30
